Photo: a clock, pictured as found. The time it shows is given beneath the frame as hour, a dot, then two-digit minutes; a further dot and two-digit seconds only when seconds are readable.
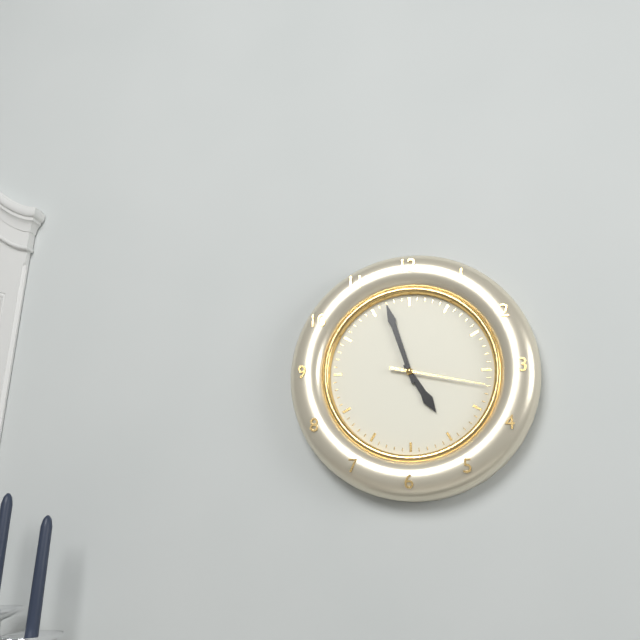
4.57.17
